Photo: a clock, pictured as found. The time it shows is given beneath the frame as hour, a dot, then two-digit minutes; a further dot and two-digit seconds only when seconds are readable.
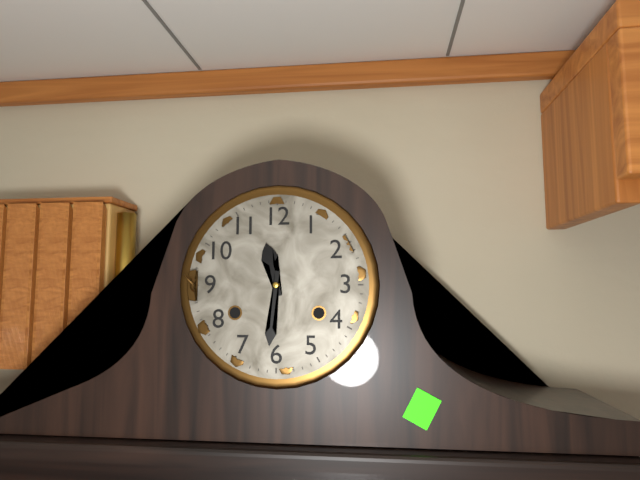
11.31
